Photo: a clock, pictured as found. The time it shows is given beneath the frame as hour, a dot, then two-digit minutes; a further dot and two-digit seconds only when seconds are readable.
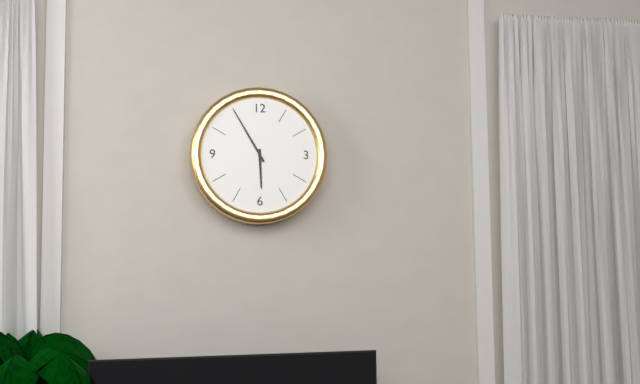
5.55
